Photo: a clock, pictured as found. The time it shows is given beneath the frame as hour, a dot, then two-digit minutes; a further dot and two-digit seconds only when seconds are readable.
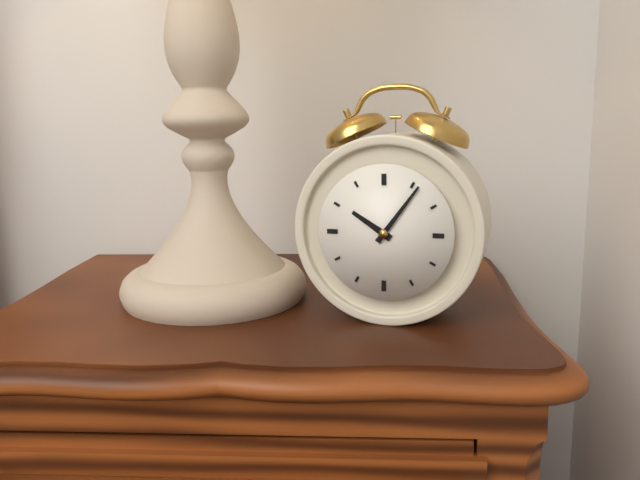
10.06
